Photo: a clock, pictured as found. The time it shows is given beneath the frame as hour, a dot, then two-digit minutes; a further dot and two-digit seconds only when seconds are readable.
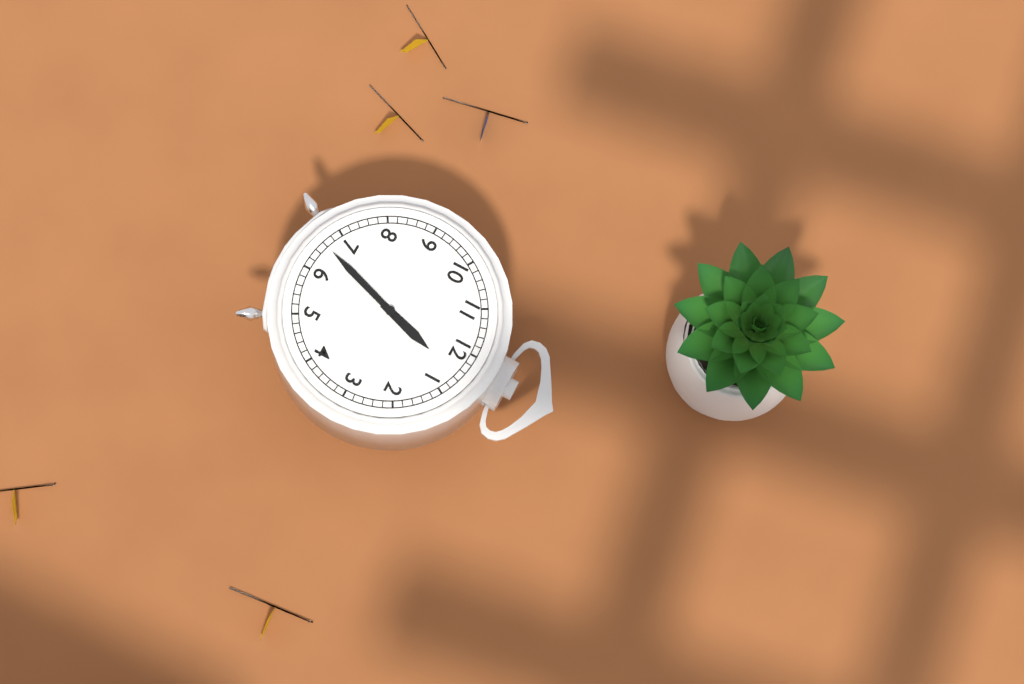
12.33.33
